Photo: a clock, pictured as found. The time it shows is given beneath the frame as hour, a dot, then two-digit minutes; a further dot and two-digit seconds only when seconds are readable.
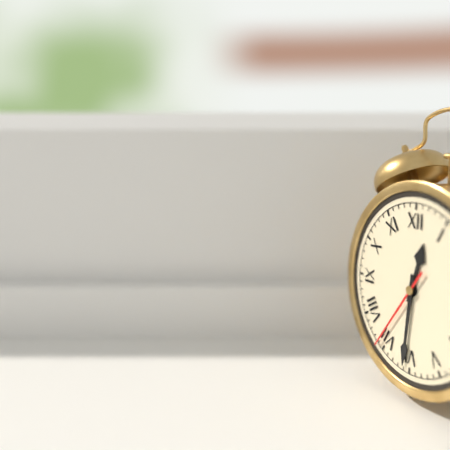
12.31.36
